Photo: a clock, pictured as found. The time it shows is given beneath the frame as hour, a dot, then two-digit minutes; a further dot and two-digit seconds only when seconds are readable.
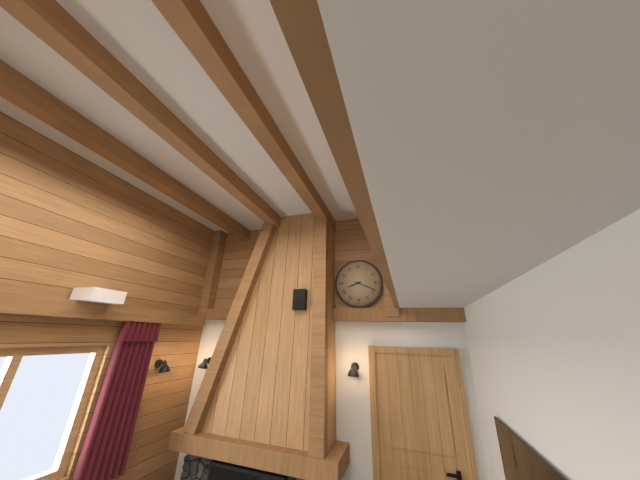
8.19
